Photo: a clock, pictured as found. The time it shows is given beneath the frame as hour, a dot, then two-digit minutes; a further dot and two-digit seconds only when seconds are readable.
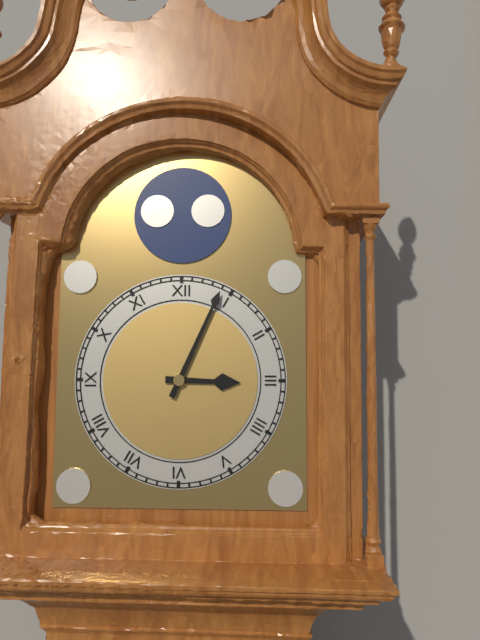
3.04
